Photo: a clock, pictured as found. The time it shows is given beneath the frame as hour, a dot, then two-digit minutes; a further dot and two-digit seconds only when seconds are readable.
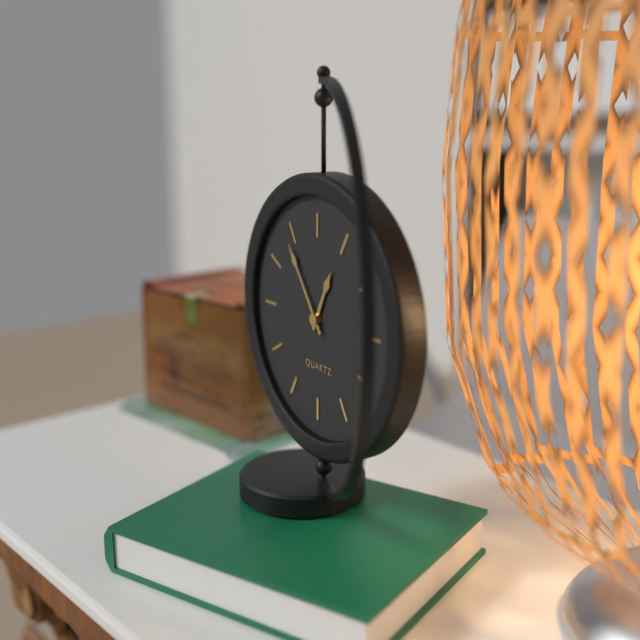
12.54
